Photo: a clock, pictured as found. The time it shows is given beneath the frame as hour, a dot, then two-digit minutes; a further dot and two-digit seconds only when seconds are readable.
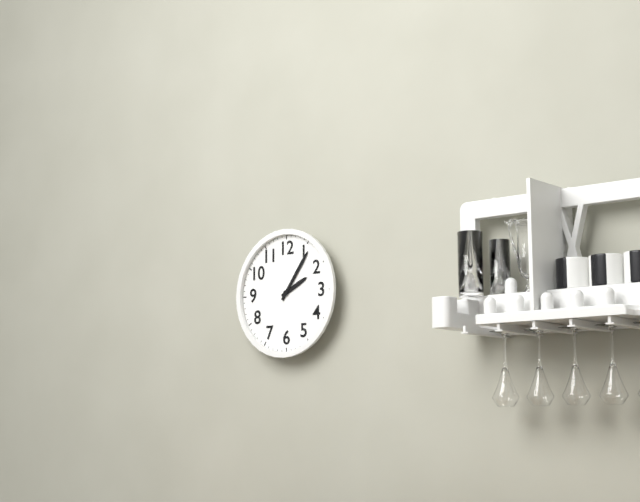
2.06
